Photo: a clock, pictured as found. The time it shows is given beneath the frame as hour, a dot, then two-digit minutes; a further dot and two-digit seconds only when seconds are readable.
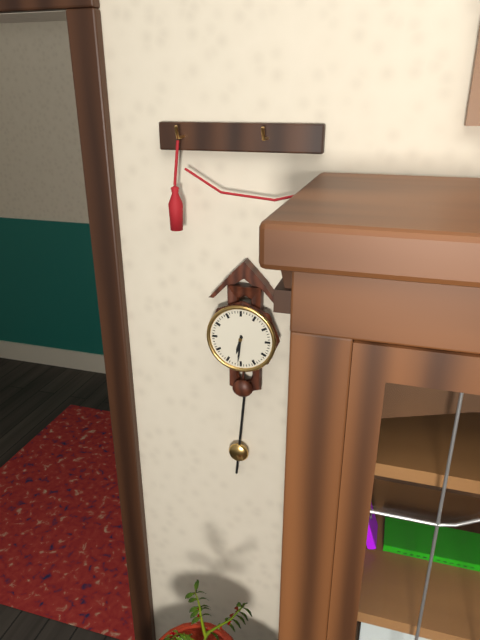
6.31
